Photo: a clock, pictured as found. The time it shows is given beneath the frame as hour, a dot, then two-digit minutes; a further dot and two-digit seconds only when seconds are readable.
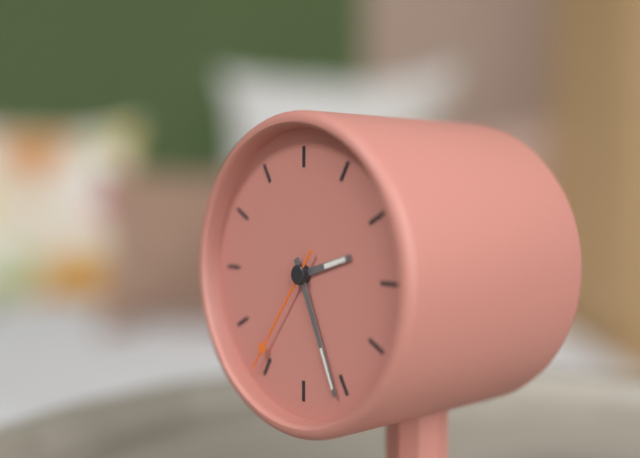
2.26.36
